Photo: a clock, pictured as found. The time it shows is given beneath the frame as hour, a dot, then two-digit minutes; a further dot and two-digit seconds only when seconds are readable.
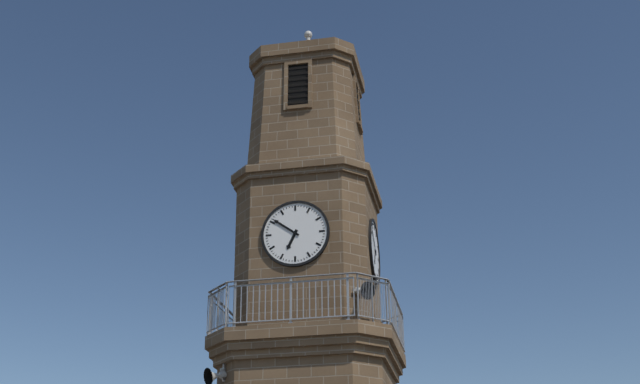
6.51
